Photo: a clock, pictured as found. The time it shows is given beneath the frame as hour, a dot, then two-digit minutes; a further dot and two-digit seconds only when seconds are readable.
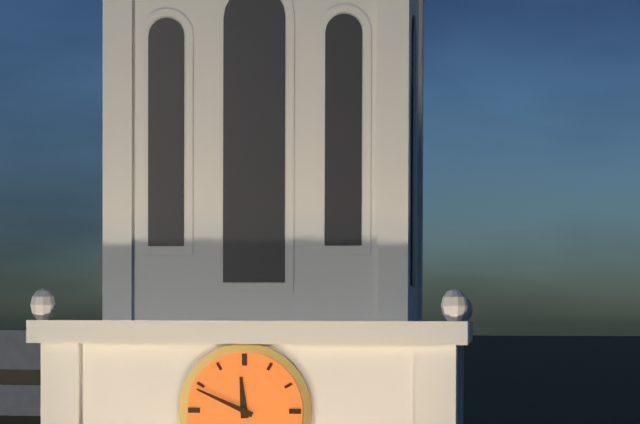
11.49
